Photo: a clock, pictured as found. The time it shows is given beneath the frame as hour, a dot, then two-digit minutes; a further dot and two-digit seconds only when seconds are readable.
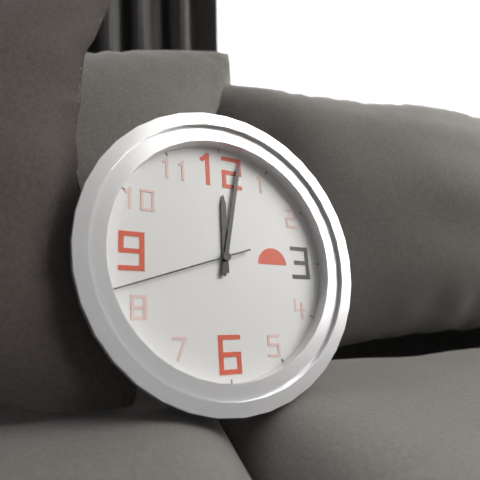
12.02.42
